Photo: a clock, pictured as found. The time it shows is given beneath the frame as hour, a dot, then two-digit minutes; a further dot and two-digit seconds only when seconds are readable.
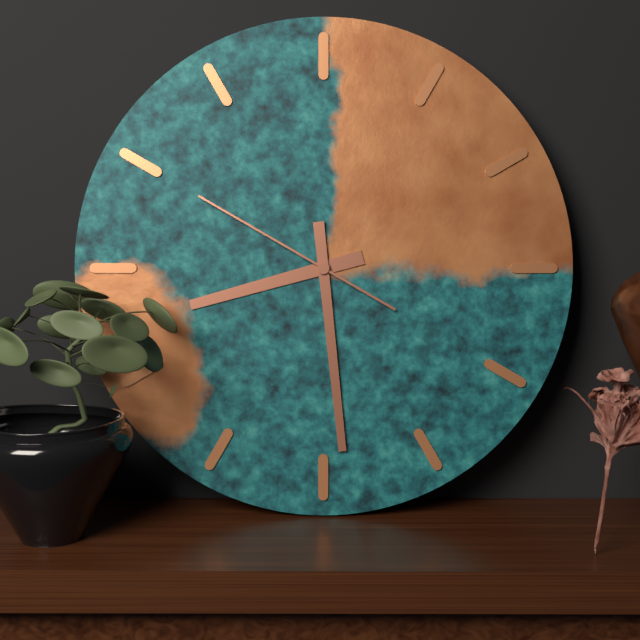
8.29.50
